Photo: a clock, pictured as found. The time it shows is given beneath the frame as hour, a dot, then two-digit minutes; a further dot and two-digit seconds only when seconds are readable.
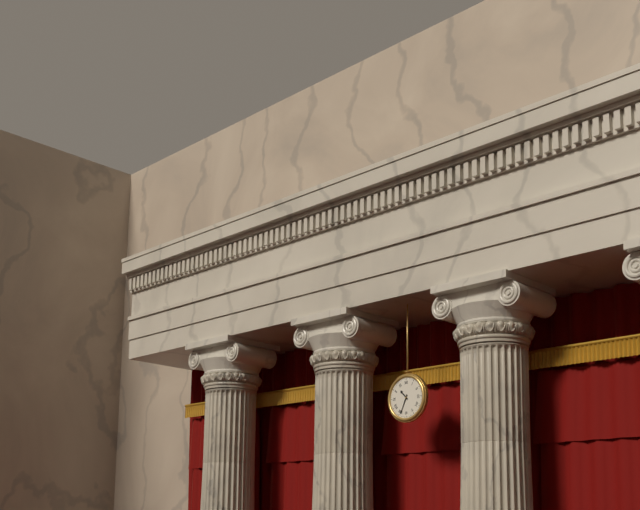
10.34
